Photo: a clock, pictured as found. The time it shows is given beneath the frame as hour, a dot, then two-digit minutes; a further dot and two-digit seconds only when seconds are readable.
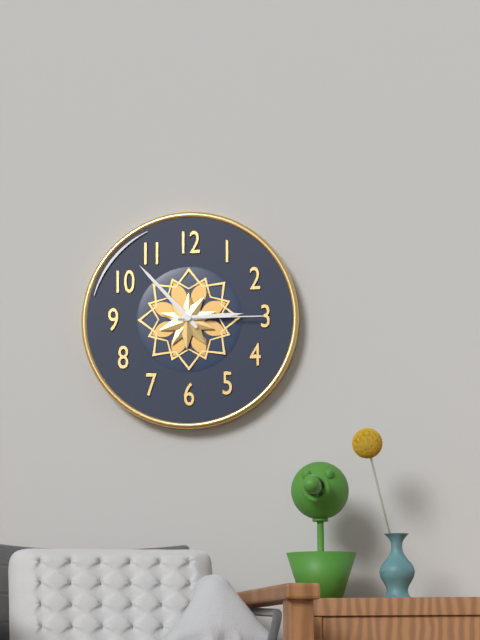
2.53.15
